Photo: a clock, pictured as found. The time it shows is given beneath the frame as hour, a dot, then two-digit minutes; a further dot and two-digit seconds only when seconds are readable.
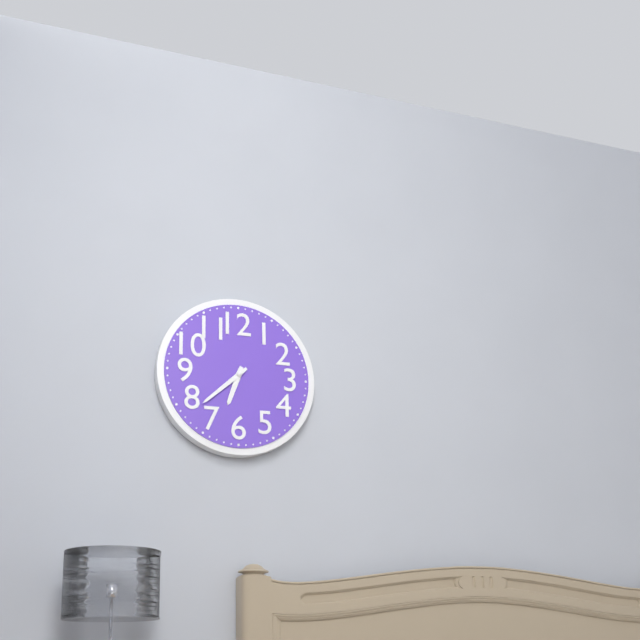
6.38
